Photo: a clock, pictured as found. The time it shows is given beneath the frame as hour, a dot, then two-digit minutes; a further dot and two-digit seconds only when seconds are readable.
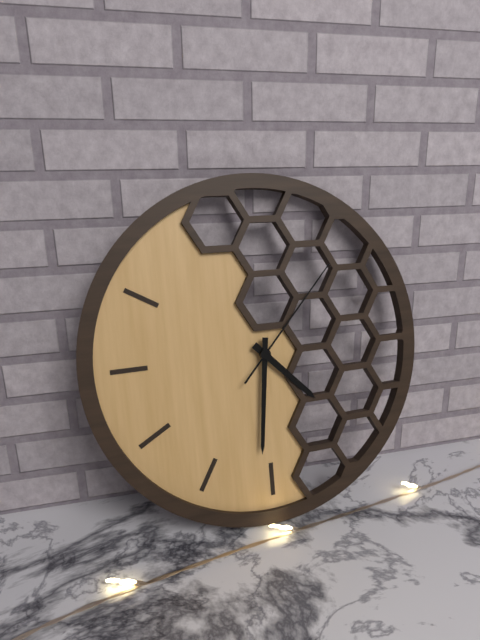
4.31.07
